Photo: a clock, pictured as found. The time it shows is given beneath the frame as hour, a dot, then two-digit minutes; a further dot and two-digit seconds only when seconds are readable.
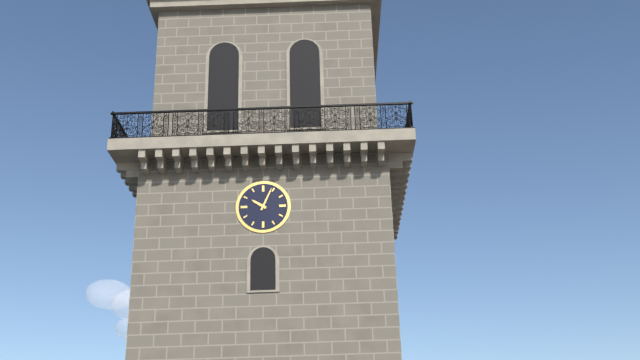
10.04
